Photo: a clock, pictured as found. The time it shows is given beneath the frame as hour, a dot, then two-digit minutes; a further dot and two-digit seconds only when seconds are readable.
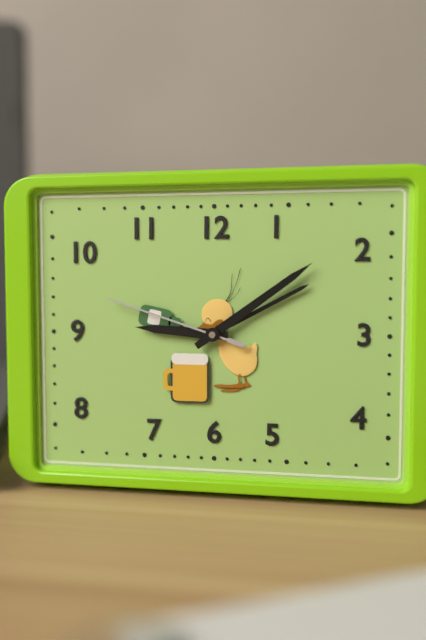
9.09.48
